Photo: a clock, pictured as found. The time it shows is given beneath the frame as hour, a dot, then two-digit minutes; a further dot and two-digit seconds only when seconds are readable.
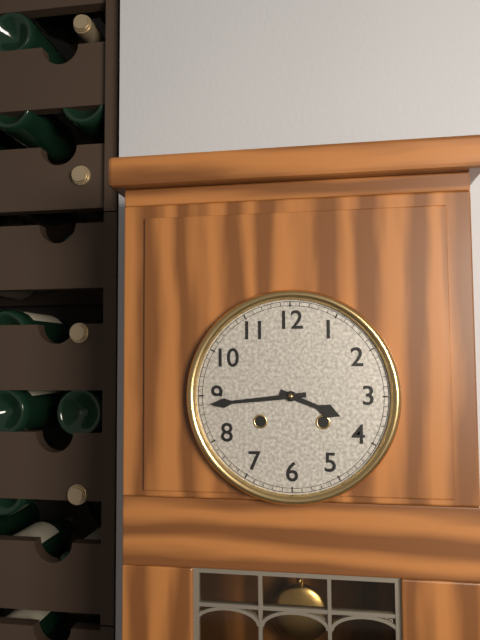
3.44
